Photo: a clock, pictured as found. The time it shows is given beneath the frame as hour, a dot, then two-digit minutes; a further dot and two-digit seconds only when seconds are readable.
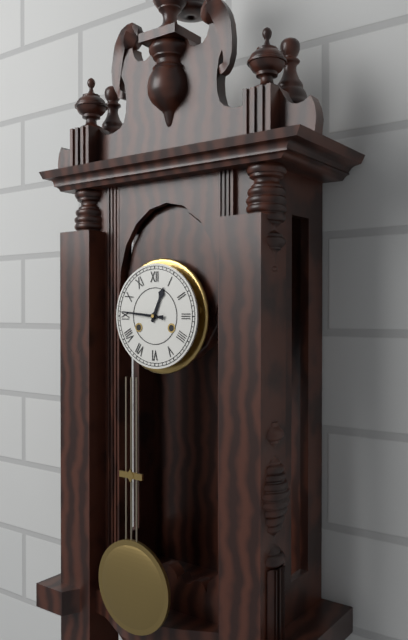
12.46
